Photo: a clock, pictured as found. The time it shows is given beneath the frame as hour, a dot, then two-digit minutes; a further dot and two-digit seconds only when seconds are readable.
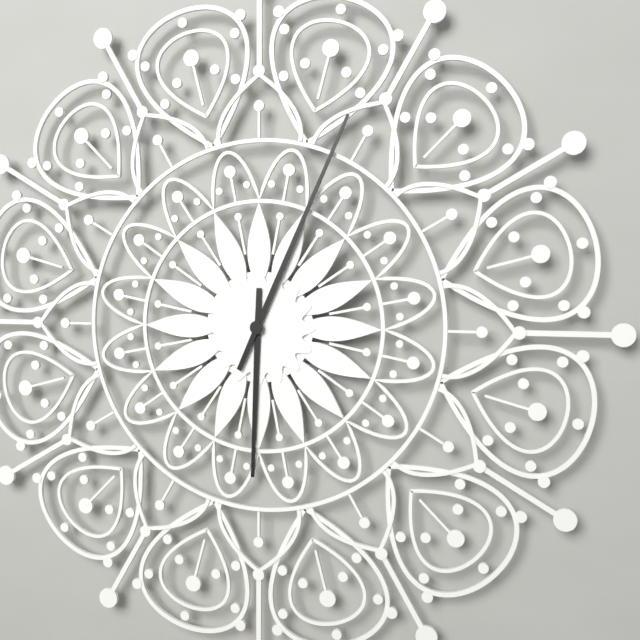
6.04
